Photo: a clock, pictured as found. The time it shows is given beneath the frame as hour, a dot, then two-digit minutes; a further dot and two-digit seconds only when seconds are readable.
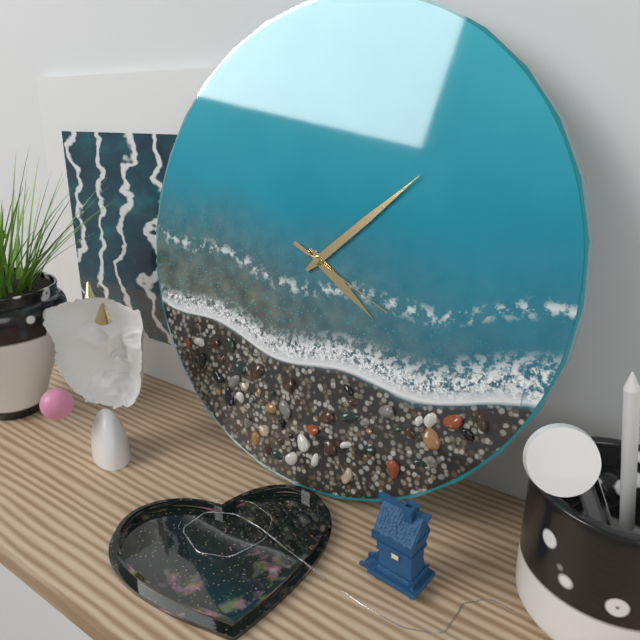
4.08.19
